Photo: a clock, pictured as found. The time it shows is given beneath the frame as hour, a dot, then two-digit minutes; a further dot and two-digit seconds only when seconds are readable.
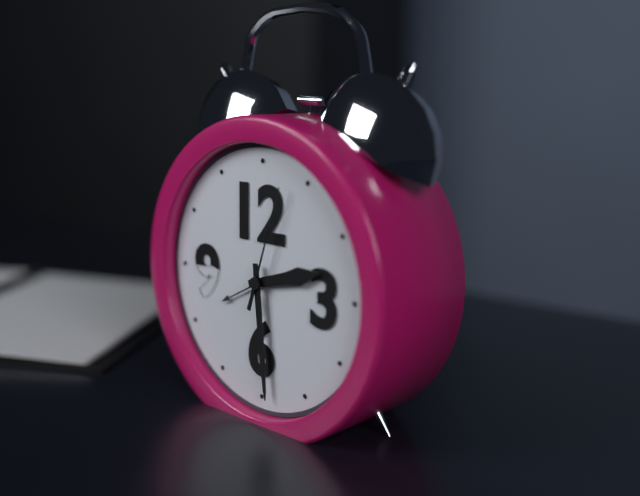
2.29.03
